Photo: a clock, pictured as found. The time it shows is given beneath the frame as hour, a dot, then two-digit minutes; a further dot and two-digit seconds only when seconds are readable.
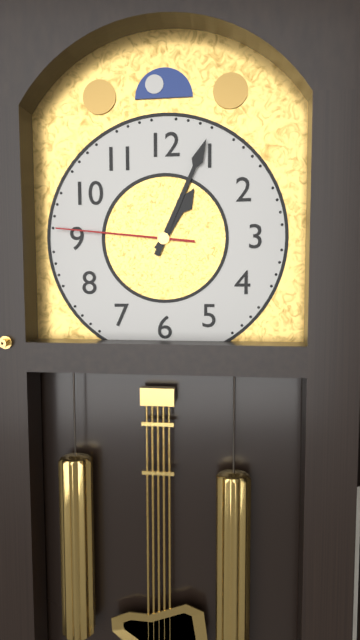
1.04.46
